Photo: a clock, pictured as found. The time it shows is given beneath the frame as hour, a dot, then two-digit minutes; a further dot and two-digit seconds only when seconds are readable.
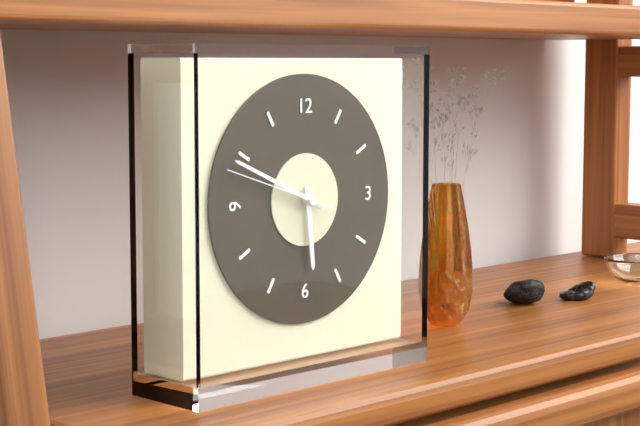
5.49.48
